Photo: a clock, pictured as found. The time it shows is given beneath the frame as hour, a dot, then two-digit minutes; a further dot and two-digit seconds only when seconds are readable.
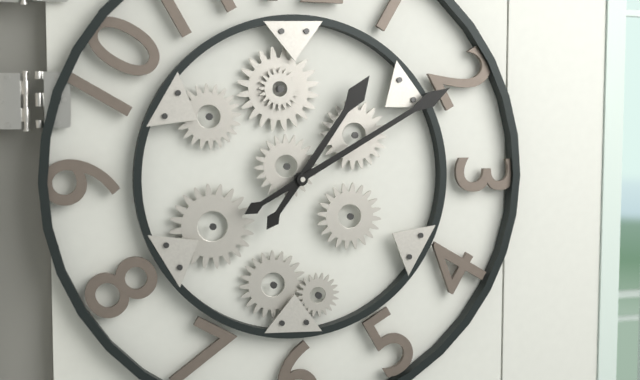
1.10
